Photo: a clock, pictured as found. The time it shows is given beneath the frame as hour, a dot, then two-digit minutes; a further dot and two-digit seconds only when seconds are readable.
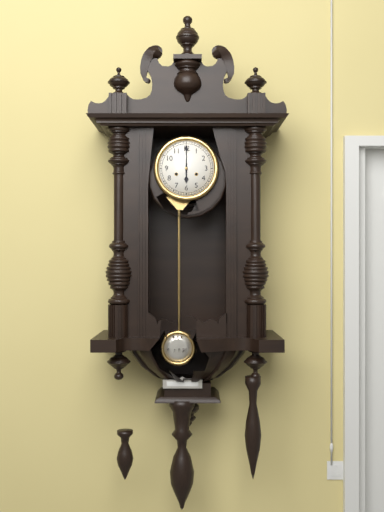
6.00
